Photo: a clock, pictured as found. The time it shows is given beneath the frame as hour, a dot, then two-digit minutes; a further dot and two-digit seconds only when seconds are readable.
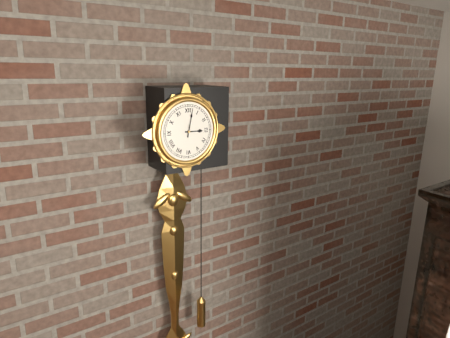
3.02
